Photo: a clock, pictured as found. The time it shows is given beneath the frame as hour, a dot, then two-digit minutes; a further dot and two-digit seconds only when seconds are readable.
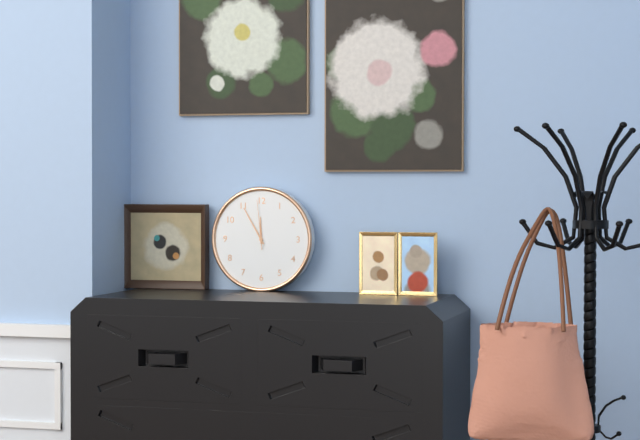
11.55
